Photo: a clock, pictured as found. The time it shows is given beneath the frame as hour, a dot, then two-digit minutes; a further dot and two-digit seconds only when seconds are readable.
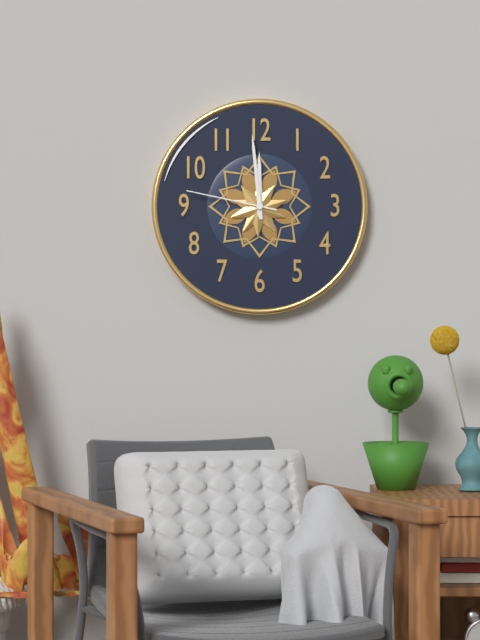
11.59.47
